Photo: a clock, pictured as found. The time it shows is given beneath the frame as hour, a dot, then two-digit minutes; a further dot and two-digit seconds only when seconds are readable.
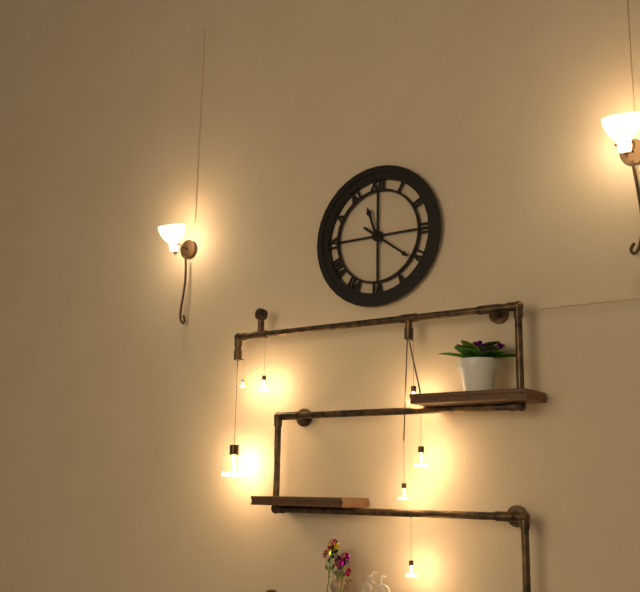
11.21
